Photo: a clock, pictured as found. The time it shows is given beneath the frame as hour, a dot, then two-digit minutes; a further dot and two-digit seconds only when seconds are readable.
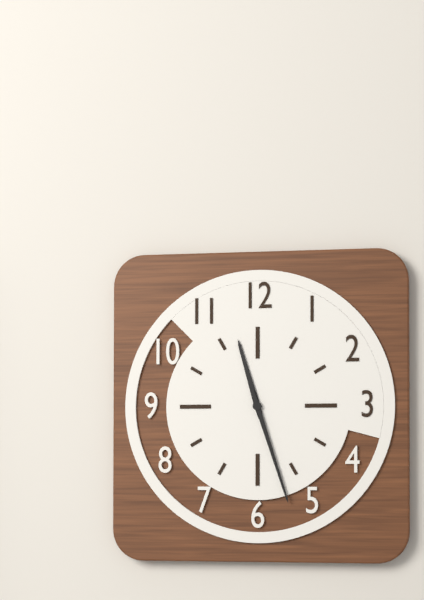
11.27
